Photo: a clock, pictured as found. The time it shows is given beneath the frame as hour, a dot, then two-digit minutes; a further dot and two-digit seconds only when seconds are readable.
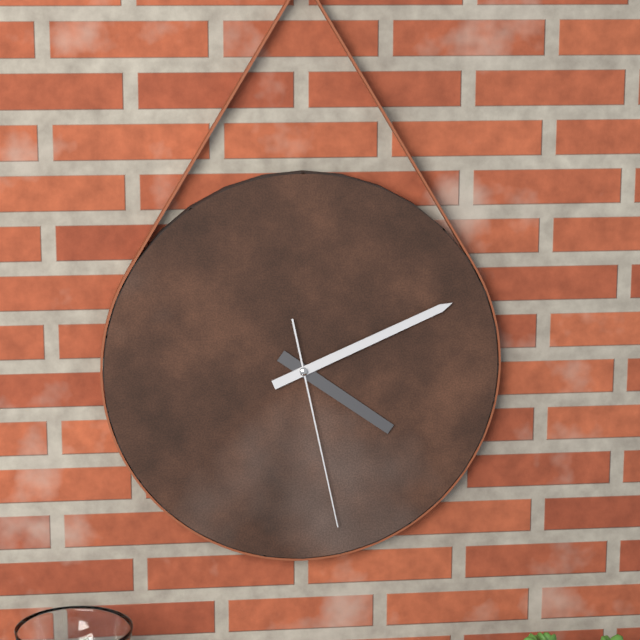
4.11.28
